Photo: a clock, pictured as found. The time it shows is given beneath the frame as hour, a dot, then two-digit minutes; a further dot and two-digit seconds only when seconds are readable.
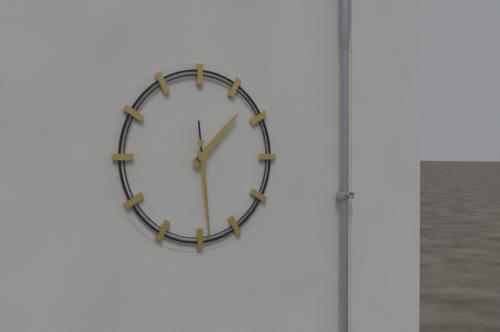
1.29
